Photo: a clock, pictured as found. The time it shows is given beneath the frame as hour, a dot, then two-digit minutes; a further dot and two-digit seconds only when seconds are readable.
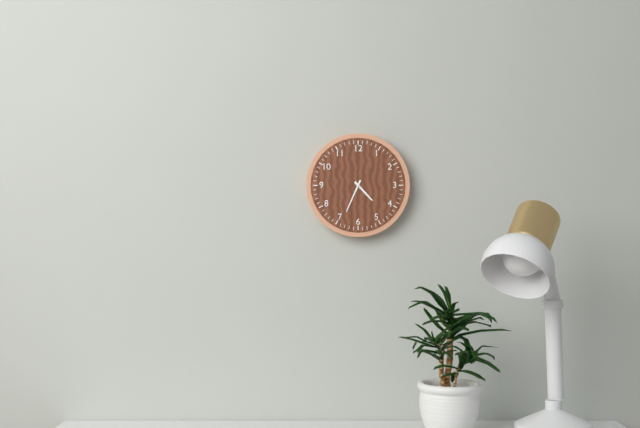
4.34
